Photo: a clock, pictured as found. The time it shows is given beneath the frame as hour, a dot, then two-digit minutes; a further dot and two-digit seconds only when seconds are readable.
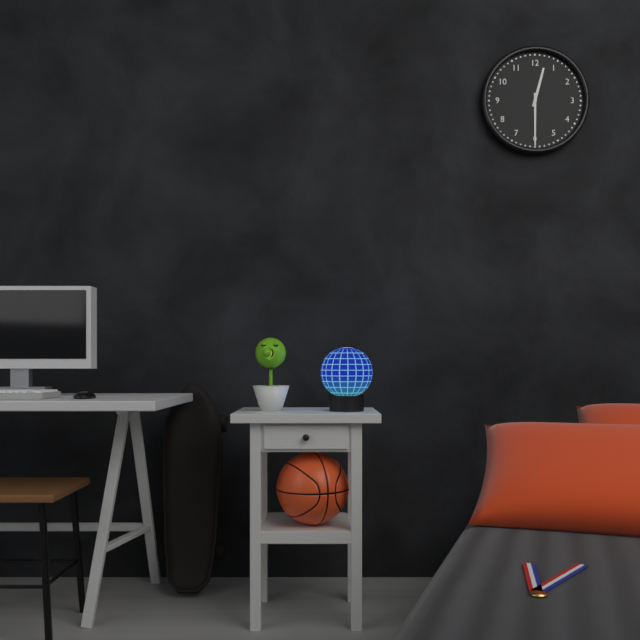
12.30
